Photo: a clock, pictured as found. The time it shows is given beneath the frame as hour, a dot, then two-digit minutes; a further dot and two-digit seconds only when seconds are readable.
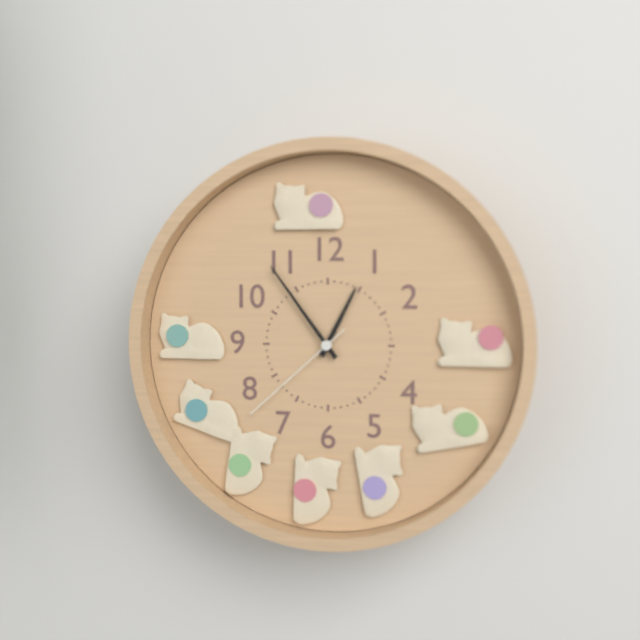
12.54.38
